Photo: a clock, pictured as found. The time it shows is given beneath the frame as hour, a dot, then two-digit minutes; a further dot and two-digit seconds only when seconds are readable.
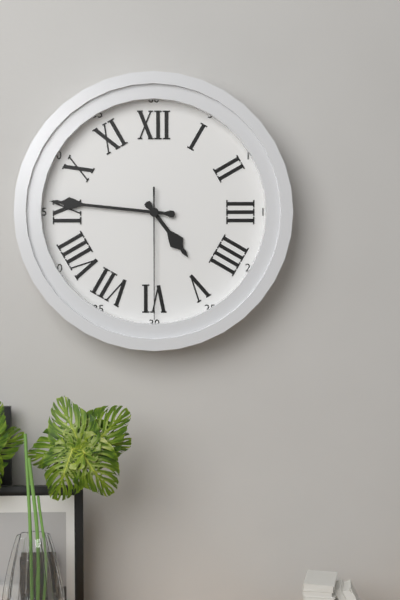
4.46.30
